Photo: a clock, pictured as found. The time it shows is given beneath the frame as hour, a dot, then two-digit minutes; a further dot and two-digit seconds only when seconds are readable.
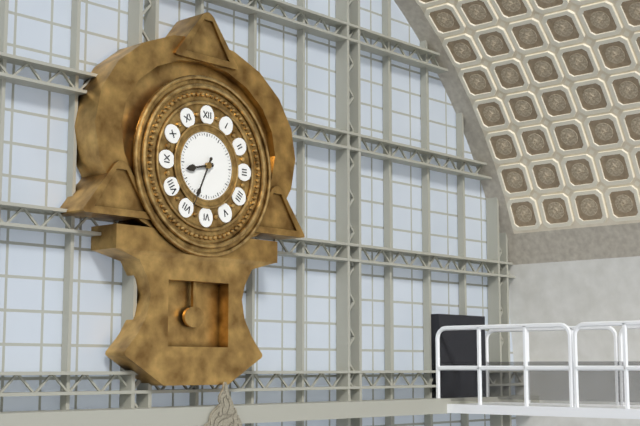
8.34
